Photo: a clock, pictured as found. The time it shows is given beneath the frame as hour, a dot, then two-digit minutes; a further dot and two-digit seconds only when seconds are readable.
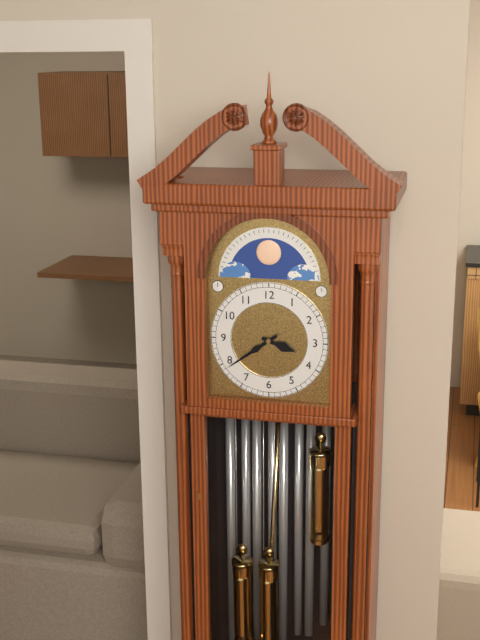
3.39
